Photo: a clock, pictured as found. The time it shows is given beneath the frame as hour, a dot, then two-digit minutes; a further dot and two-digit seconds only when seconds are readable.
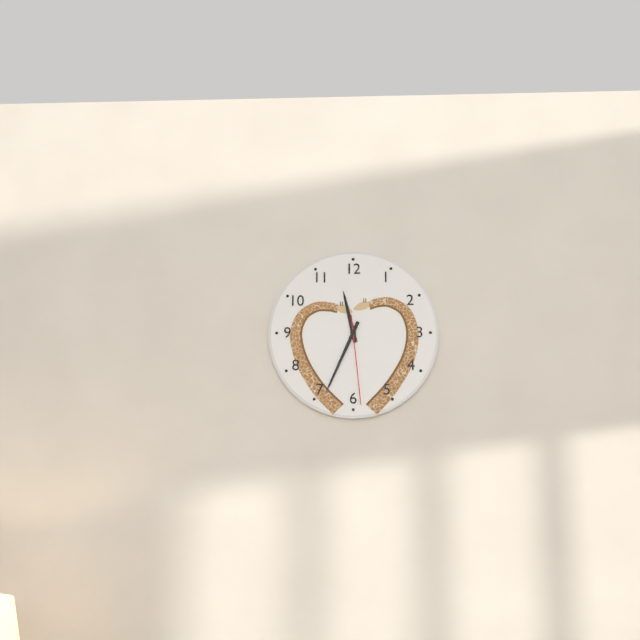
11.34.29
